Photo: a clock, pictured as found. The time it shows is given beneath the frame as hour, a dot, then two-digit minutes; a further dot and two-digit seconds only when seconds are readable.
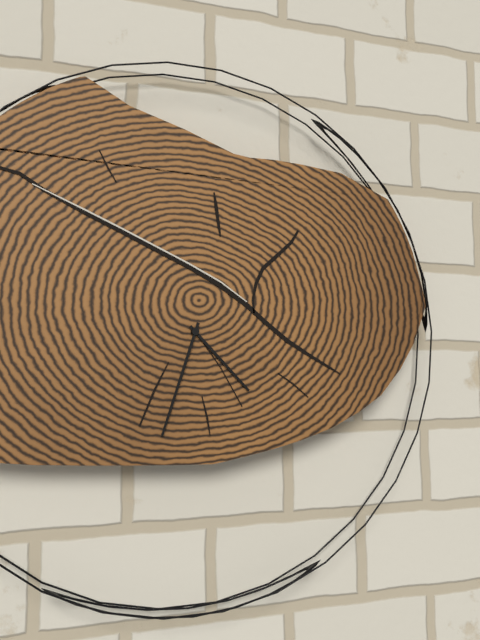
4.33
